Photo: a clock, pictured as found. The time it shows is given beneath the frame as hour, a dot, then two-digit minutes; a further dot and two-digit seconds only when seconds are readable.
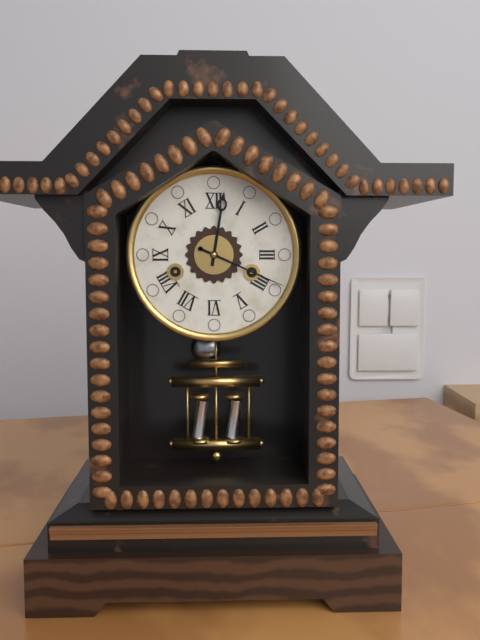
12.19
